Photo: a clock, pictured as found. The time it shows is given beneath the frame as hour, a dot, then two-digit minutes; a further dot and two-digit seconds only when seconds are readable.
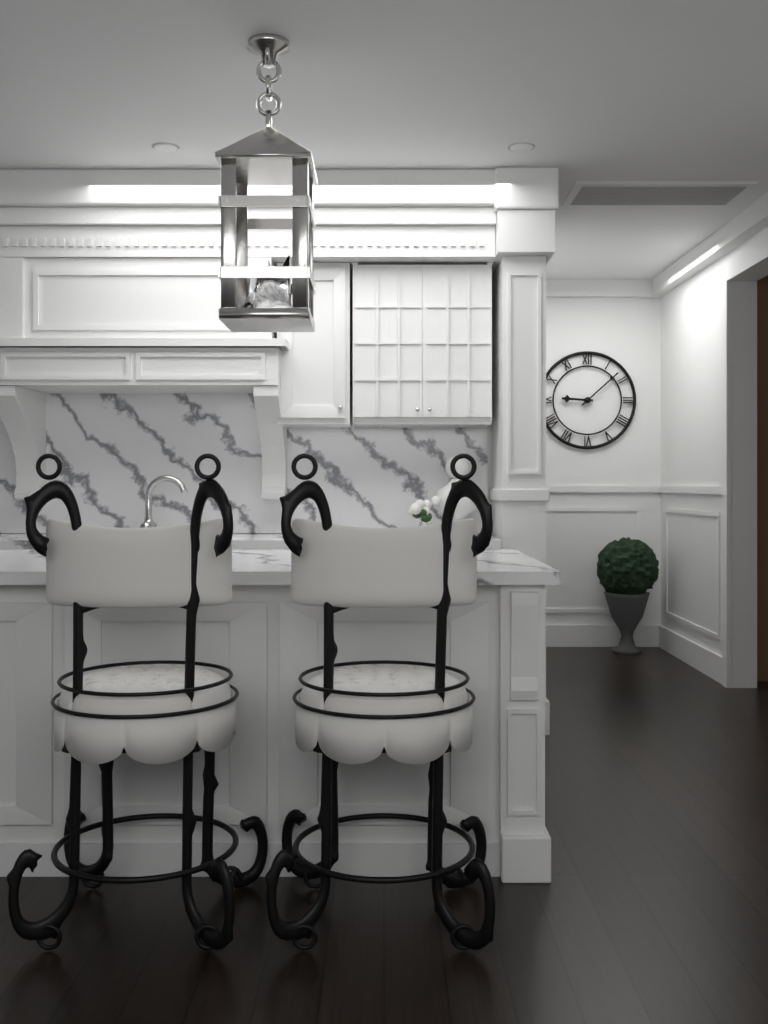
9.08
